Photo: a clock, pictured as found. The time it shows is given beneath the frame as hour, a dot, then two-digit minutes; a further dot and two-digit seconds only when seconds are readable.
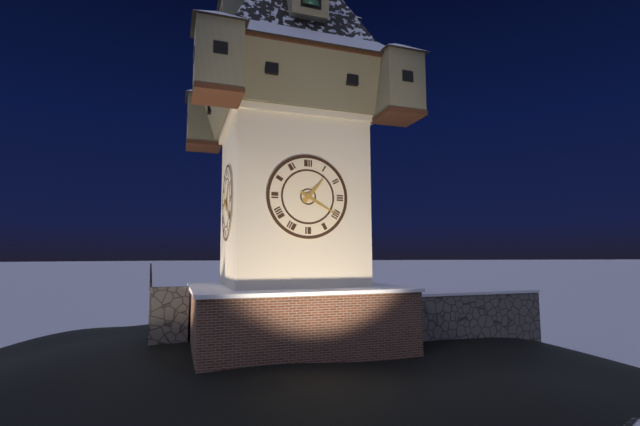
1.20
